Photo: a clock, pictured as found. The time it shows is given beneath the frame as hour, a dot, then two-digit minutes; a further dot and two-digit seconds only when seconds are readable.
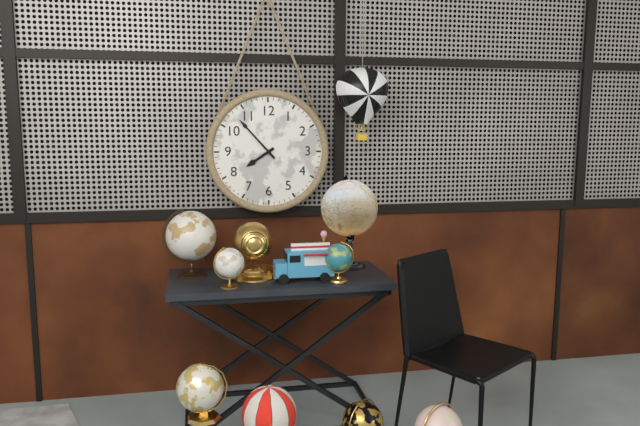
7.53
